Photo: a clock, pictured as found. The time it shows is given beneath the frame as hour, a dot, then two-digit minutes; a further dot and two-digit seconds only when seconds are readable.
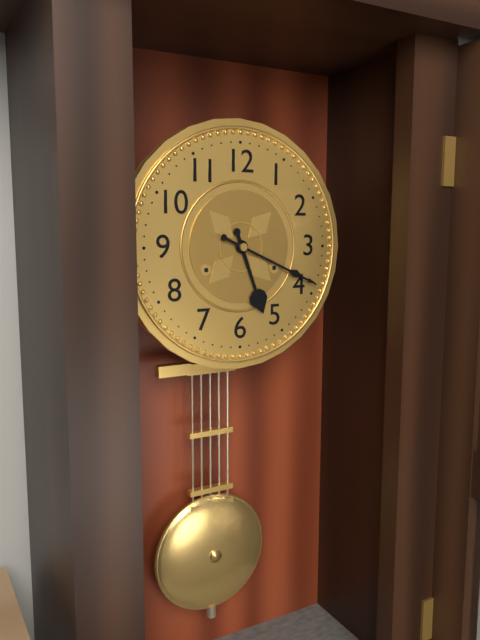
5.19
